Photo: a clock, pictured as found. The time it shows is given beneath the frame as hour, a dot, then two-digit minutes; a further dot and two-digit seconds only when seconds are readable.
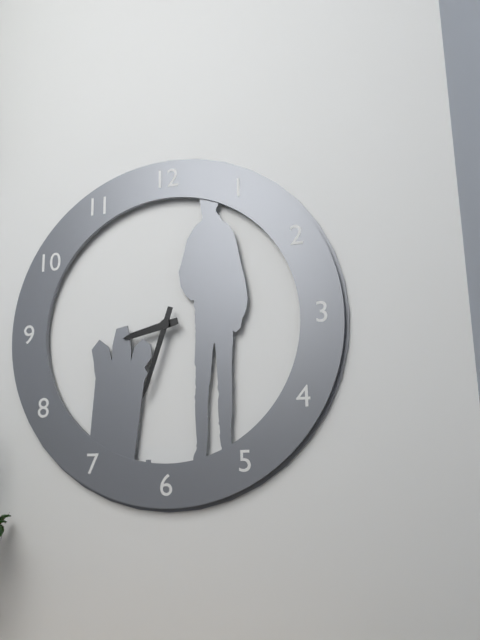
8.33
